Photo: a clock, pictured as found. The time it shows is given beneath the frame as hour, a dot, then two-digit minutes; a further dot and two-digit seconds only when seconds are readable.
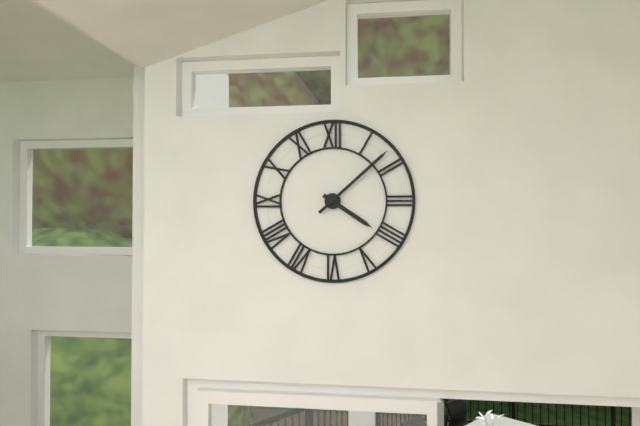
4.08
